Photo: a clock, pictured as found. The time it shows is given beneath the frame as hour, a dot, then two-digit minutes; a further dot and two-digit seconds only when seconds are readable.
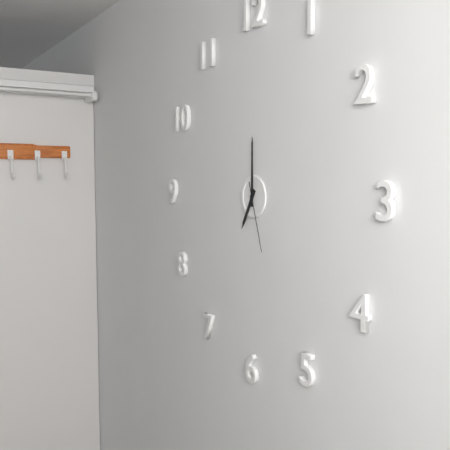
7.00.27
